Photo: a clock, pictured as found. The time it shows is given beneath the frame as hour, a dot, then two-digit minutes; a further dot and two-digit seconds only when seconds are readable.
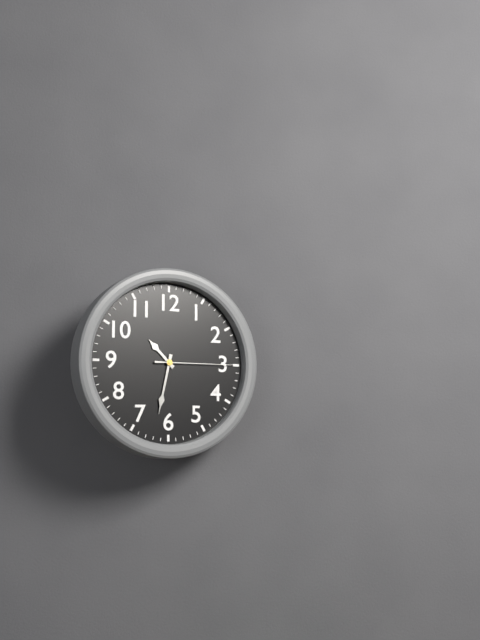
10.32.15
